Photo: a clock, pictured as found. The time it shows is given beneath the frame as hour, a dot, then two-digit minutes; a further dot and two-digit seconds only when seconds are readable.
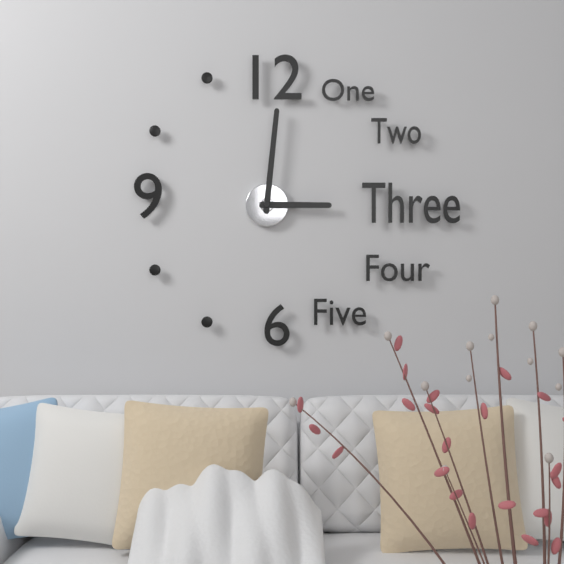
3.01
